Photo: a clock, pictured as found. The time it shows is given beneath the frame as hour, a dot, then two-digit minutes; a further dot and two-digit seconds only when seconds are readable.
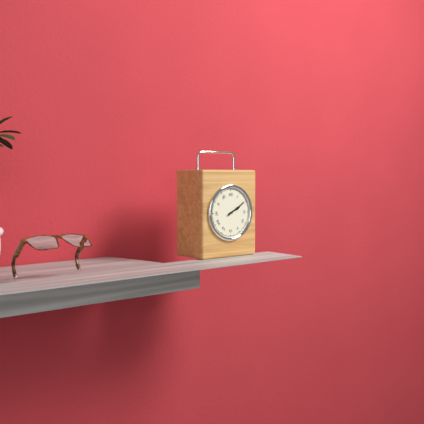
2.10
